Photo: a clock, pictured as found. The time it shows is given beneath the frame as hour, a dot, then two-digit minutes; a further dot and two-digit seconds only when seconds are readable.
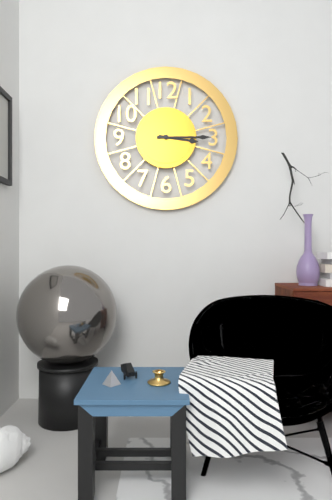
3.15
